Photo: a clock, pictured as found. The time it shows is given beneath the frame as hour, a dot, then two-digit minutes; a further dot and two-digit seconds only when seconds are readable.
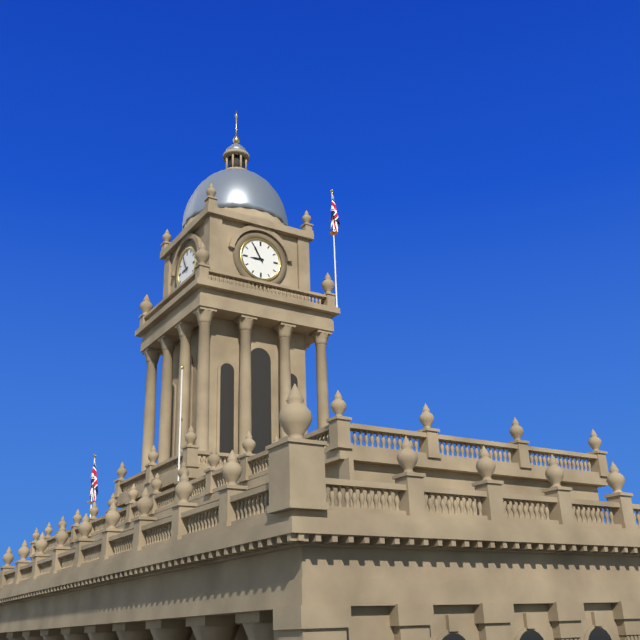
8.55
